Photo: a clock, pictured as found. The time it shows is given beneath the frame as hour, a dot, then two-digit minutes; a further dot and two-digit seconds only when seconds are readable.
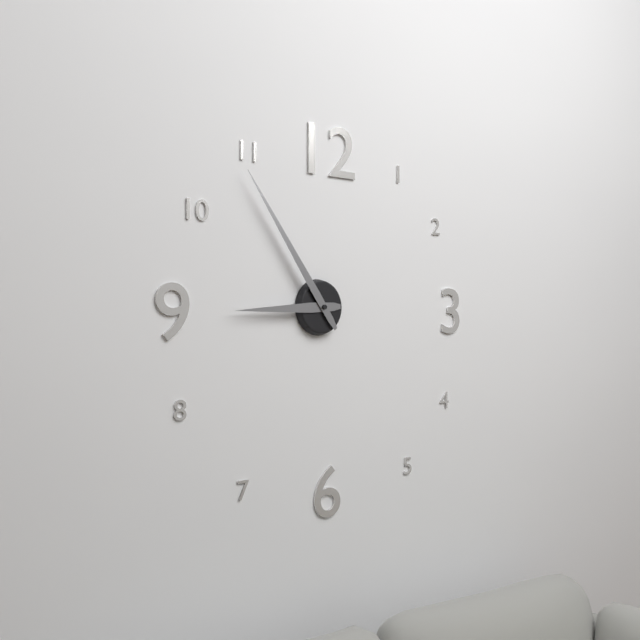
8.54
